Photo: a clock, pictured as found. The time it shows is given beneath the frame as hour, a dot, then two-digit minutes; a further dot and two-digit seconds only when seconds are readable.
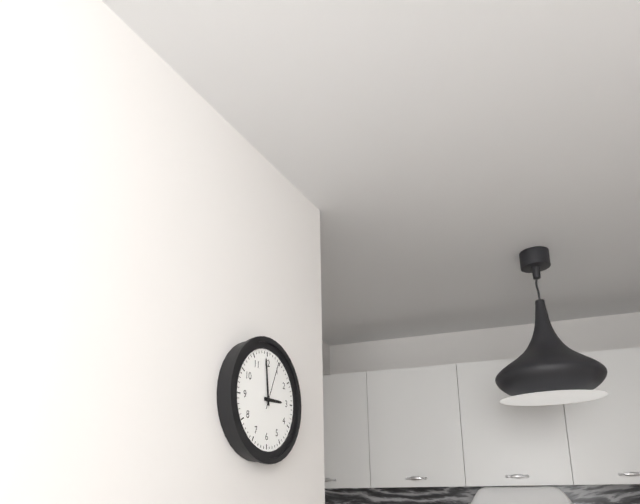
2.59
